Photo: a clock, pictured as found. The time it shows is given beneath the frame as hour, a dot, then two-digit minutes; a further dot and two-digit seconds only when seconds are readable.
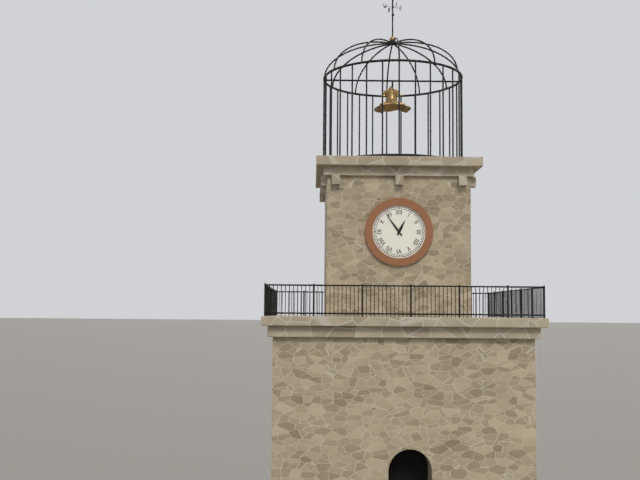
12.54
